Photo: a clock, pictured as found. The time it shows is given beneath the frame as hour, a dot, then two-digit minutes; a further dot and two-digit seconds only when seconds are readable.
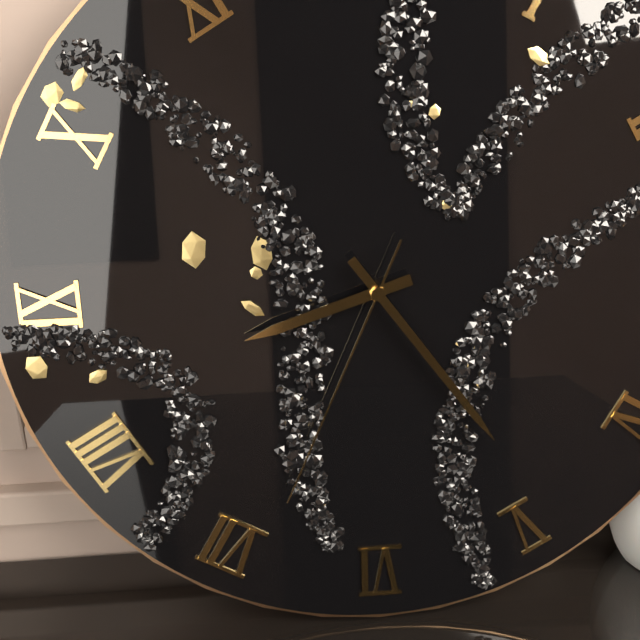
8.24.34
